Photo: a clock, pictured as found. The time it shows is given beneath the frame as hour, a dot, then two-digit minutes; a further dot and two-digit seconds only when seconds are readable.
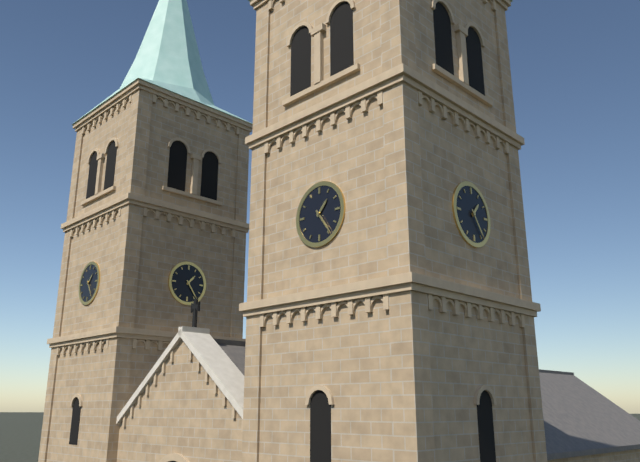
1.24
